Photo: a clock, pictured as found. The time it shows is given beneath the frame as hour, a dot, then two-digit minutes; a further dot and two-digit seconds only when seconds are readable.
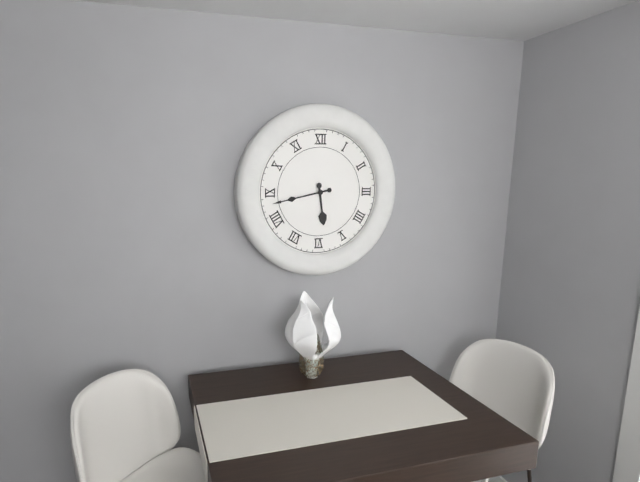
5.43
